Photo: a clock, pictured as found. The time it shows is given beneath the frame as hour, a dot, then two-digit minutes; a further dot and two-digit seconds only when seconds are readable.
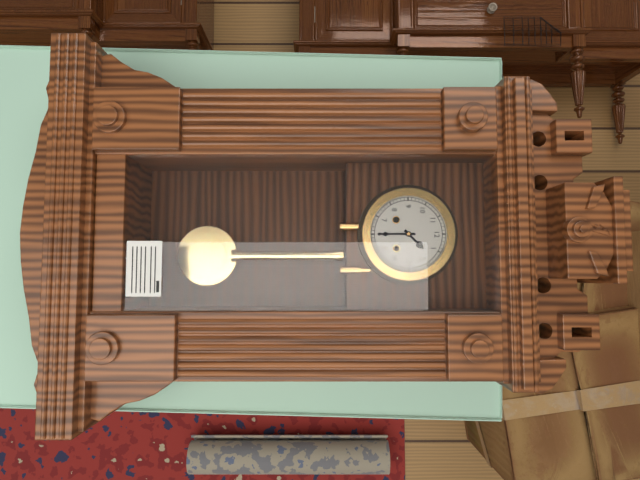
1.30
